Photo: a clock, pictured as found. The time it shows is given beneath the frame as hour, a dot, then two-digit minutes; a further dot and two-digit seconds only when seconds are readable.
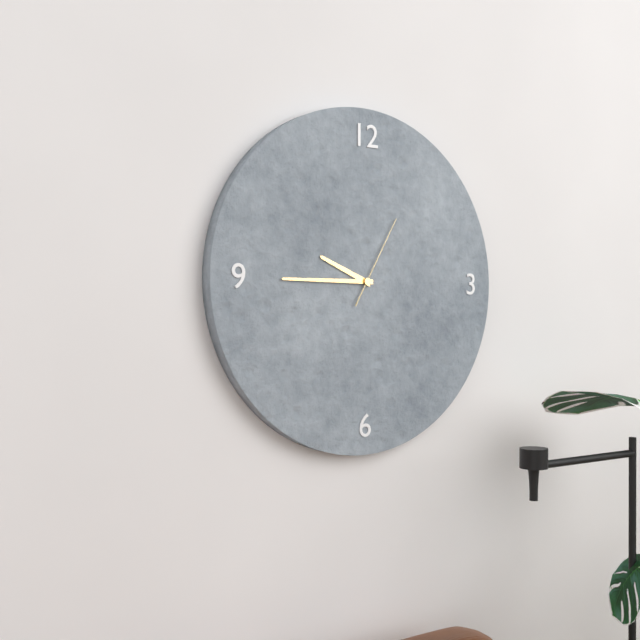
9.45.05
